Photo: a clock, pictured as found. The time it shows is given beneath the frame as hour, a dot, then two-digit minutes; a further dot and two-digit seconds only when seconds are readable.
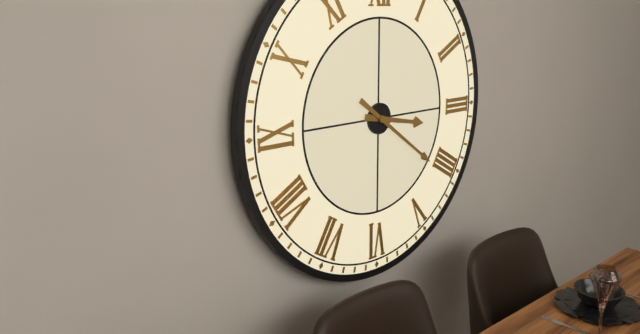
3.21
